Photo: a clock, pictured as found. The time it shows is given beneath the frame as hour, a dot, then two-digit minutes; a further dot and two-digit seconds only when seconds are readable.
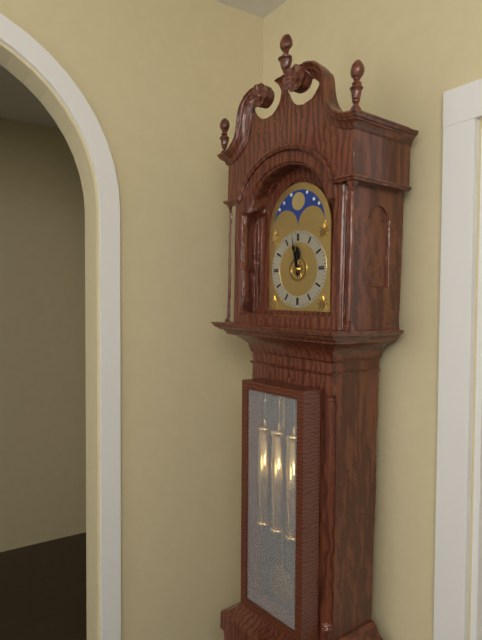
11.58
